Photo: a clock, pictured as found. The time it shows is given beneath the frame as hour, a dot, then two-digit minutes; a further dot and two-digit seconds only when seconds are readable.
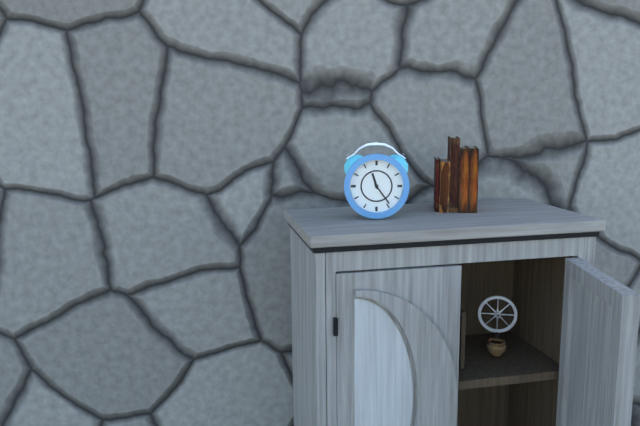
11.24
